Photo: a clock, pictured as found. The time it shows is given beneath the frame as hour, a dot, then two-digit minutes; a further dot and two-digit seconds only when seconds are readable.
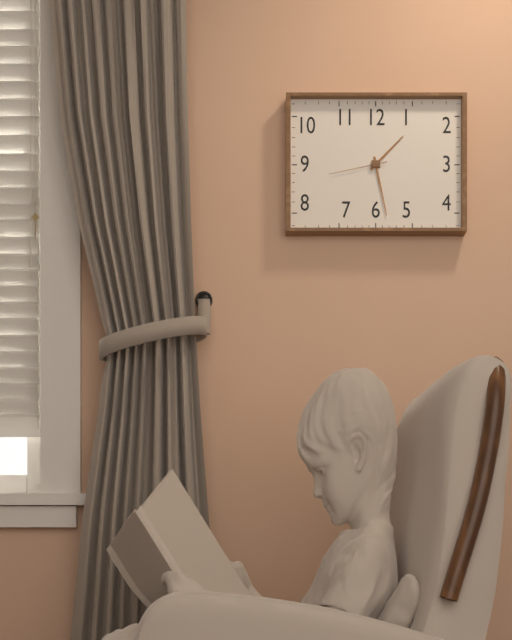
1.28.43
